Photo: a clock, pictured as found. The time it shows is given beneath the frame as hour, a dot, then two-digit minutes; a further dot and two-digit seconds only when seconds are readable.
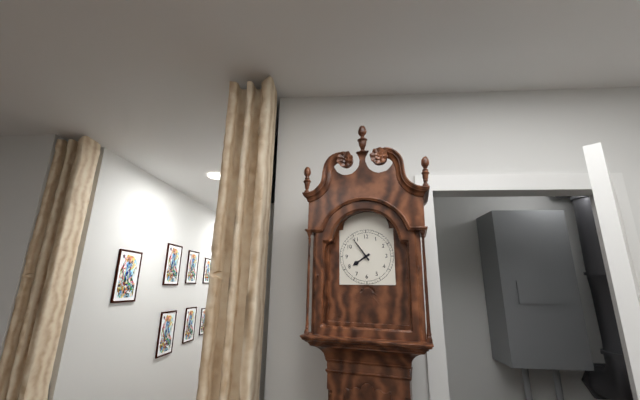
7.54
